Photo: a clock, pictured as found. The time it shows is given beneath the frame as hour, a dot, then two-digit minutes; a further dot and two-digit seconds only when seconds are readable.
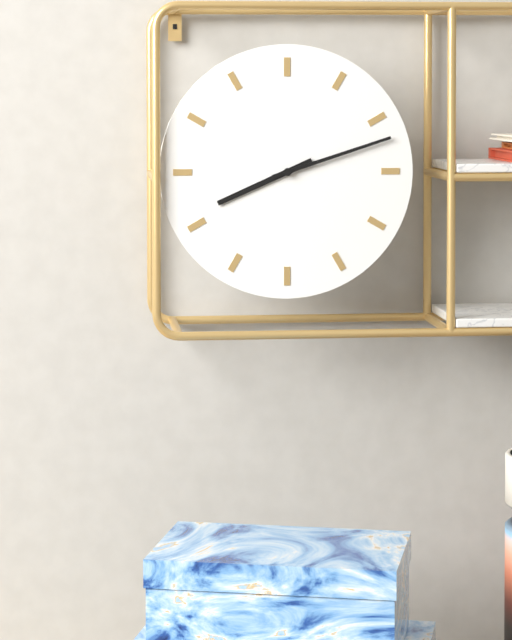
8.12
